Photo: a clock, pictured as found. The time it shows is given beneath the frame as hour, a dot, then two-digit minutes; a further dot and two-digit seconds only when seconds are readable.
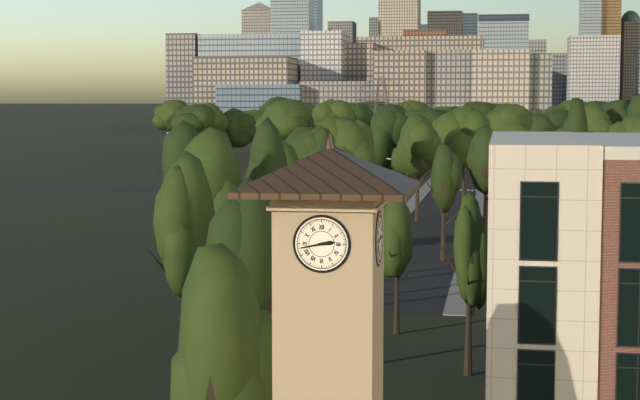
2.43
